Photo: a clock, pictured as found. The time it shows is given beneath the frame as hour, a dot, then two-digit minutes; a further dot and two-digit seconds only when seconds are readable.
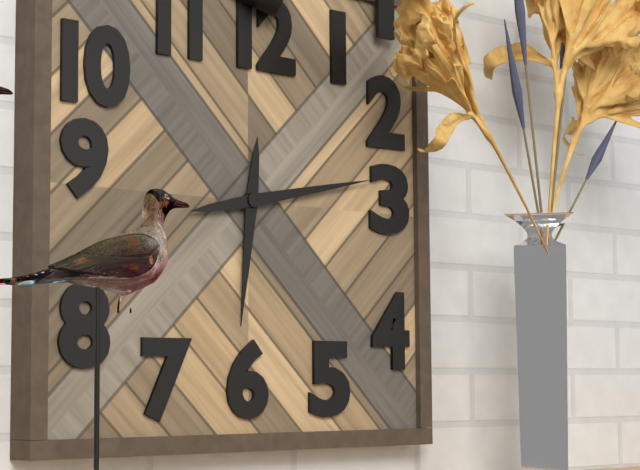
6.13
